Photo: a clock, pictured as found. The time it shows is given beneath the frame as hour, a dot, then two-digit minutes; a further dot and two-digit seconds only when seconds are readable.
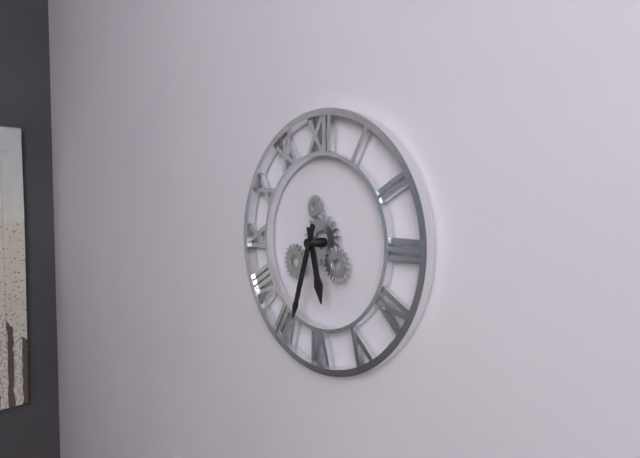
5.33
